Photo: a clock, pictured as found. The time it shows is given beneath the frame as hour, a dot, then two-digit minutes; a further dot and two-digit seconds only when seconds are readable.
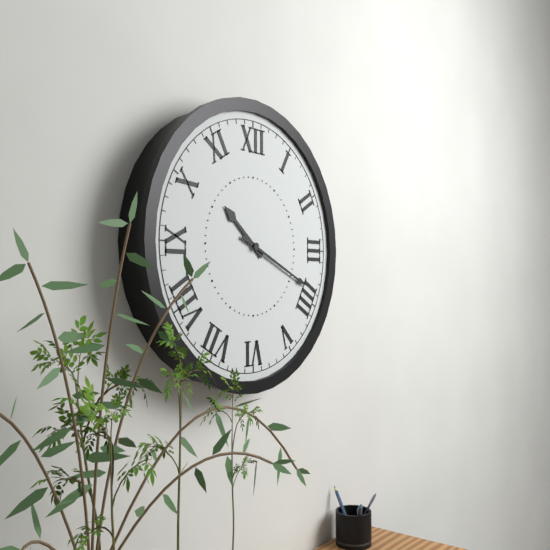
10.19
